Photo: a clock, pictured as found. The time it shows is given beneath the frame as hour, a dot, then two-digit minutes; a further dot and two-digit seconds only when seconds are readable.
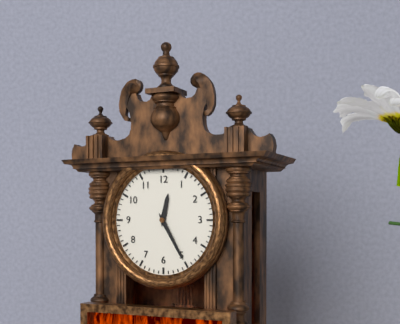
12.25
